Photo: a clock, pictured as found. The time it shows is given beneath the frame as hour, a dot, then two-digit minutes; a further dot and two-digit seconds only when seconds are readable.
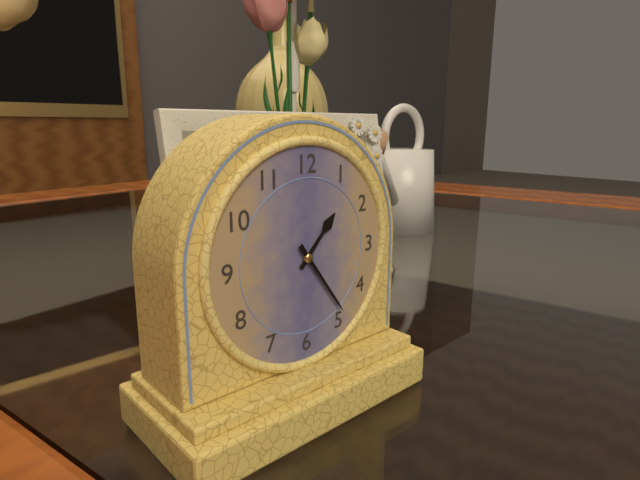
1.24
